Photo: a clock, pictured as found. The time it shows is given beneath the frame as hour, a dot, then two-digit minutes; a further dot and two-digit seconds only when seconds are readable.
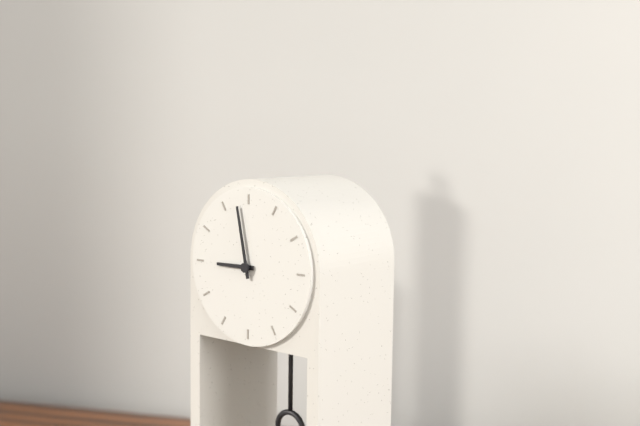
8.58
